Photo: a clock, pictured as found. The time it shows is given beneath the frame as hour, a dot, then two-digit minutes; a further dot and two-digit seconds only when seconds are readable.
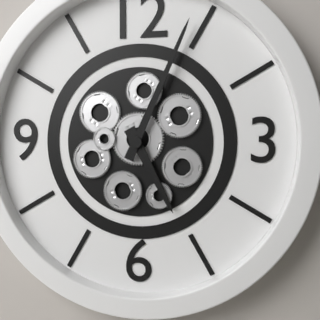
5.04
